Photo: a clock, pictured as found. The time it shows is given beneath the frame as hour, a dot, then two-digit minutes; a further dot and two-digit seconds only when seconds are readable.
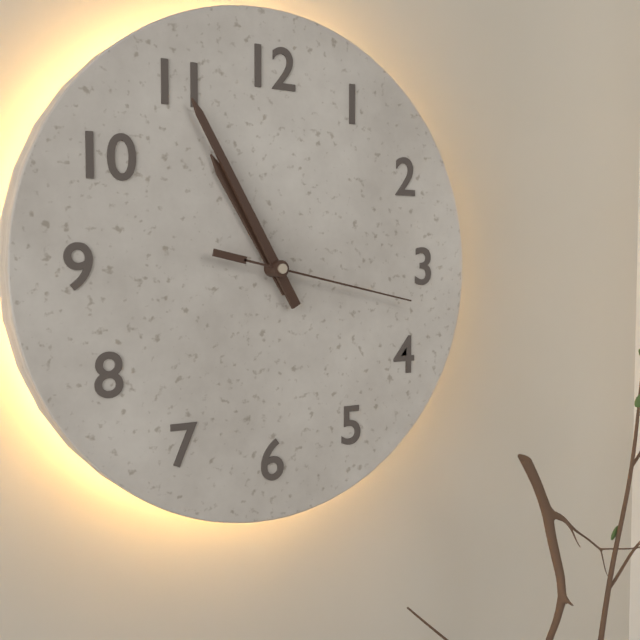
10.55.17
